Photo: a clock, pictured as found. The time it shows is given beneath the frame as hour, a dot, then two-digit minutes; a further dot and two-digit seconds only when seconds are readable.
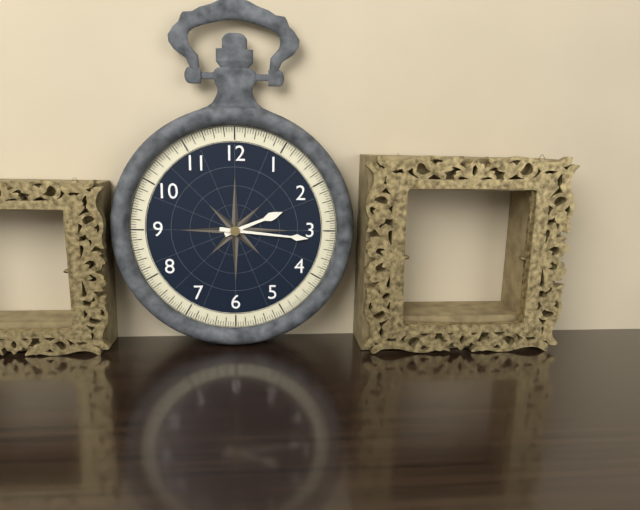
2.16
